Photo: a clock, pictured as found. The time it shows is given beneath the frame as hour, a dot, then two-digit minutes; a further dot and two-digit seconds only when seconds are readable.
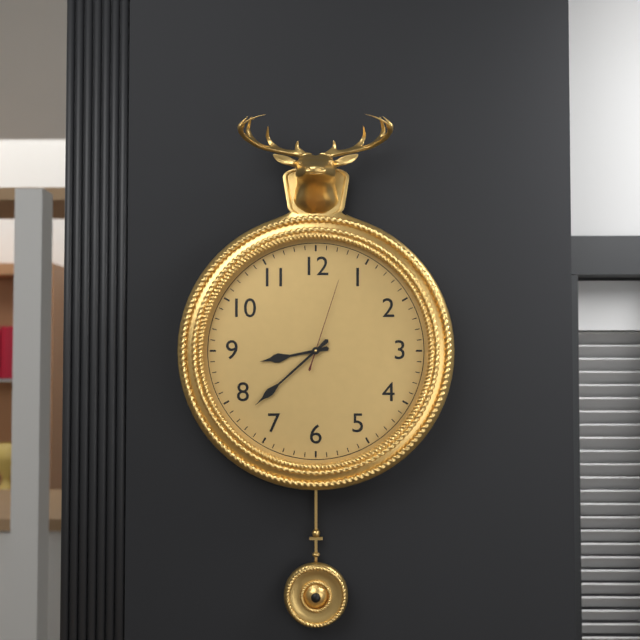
8.38.03
